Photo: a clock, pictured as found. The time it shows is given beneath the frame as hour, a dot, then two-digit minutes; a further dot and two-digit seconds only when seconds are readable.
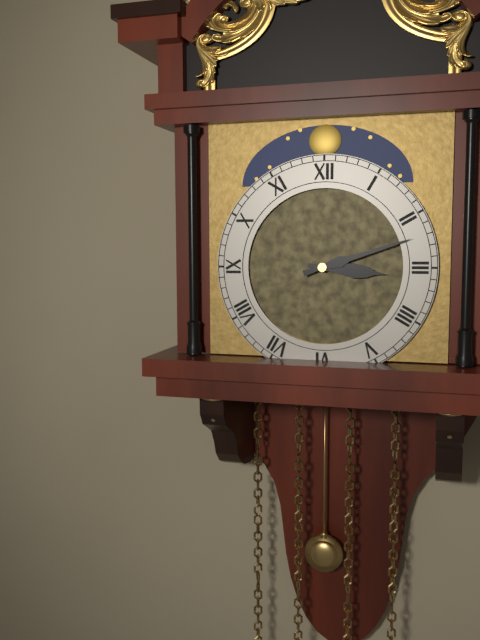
3.12
